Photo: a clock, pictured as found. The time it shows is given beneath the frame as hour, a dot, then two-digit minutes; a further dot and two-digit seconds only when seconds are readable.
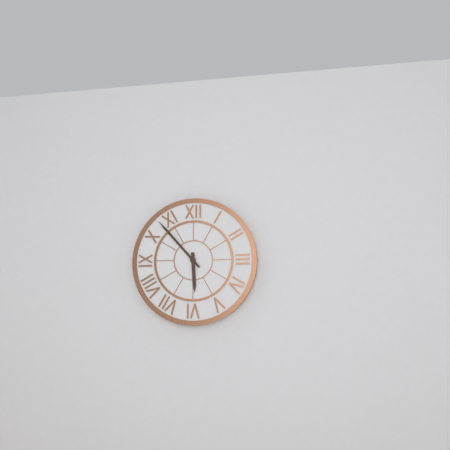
5.53
